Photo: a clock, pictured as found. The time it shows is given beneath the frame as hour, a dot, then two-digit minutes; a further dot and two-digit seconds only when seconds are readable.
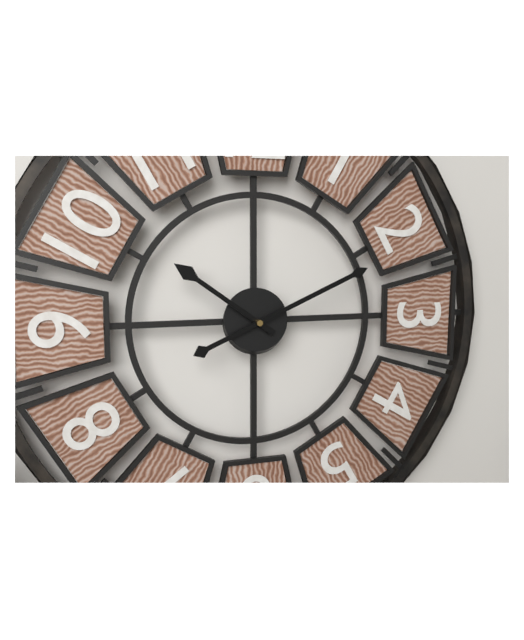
10.11
